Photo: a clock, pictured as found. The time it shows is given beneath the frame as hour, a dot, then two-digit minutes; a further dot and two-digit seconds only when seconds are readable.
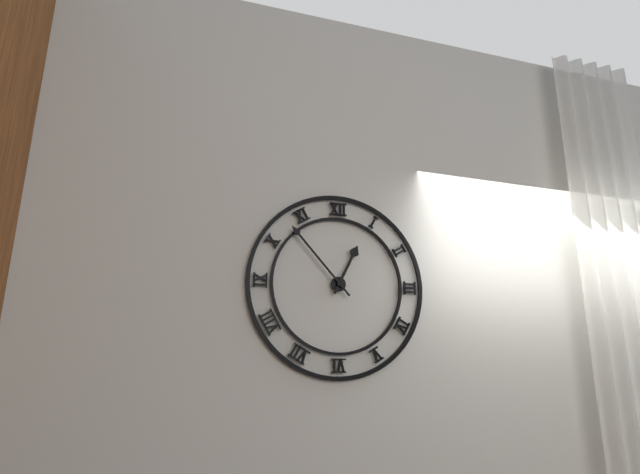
12.53
